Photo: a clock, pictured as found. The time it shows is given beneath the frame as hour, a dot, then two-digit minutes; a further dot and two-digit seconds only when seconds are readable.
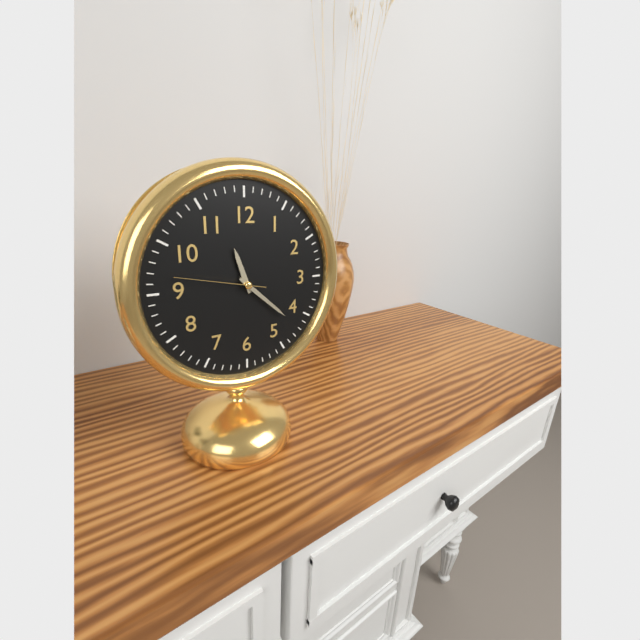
11.22.47
